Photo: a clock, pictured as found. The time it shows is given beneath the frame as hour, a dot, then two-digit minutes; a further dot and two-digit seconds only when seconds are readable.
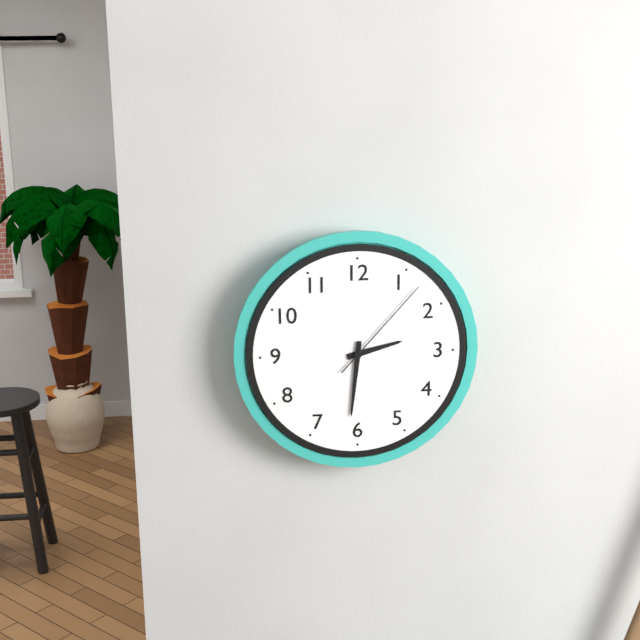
2.31.07
